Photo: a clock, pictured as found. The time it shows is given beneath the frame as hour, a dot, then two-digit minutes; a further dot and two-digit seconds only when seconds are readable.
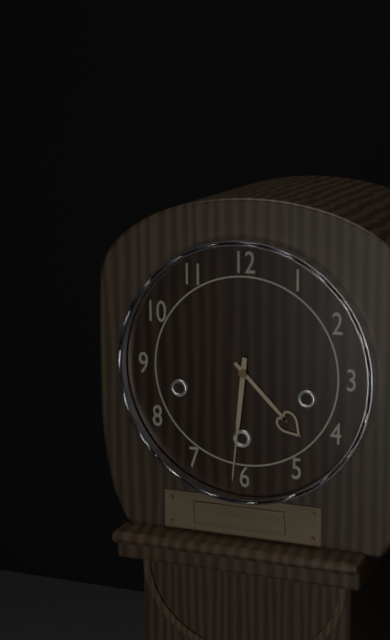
4.31
